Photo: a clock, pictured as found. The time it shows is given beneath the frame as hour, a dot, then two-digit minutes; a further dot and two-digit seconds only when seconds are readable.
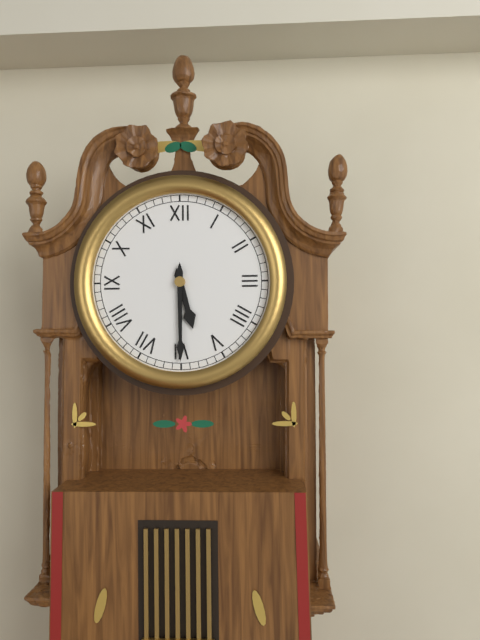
5.30
